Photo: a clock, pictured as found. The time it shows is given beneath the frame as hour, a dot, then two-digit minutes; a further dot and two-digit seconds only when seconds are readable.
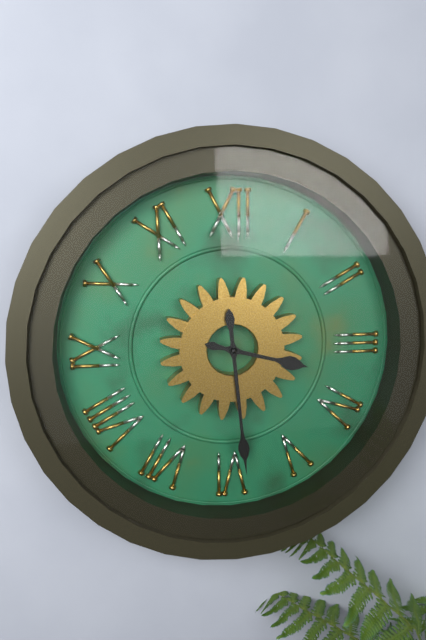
3.29
